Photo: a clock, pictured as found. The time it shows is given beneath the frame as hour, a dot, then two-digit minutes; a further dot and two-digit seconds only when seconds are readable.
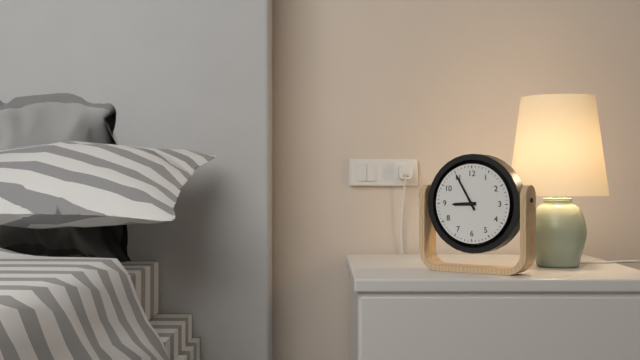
8.55
